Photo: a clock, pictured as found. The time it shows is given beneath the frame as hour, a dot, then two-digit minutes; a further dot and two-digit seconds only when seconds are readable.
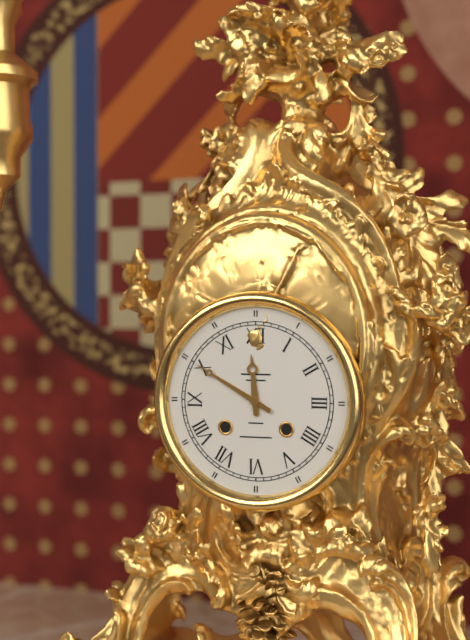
11.50
